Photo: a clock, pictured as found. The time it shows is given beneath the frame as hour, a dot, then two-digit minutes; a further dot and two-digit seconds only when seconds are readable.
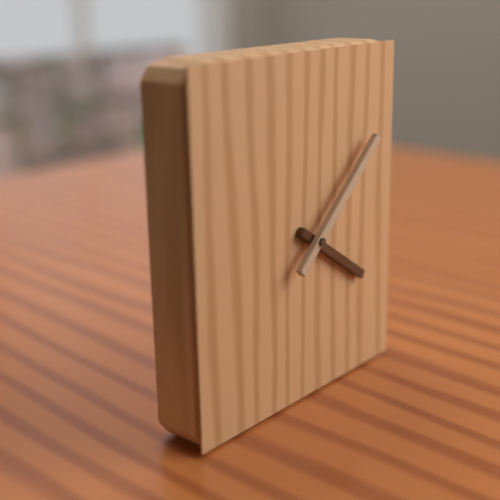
4.08
